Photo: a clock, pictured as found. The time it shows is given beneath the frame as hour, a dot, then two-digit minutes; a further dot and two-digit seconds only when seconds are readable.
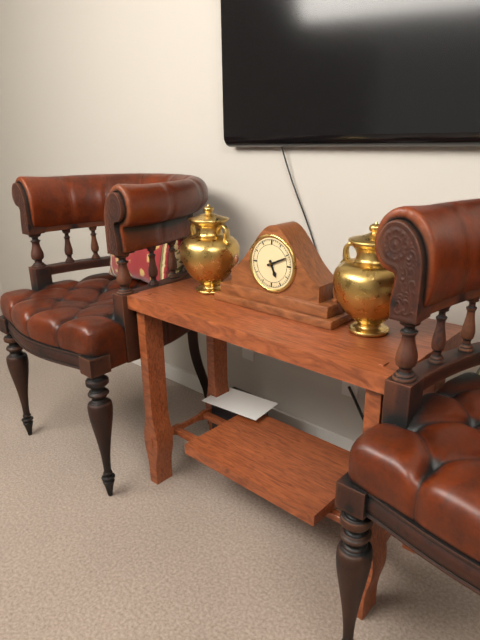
5.11
